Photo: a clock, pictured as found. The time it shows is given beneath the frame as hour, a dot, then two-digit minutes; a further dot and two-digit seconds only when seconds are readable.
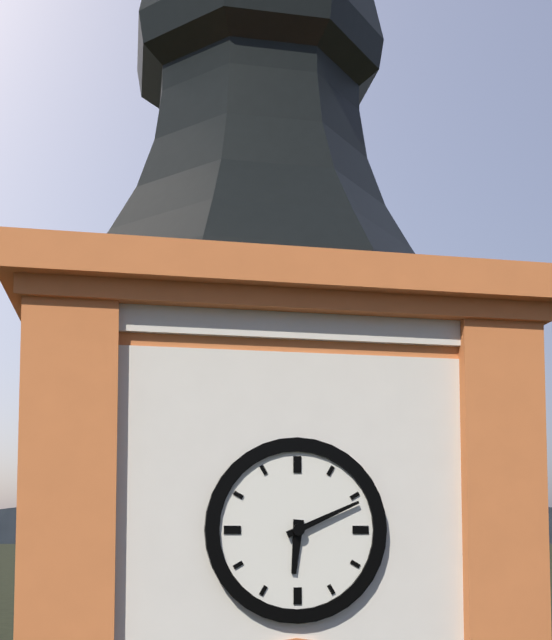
6.11
